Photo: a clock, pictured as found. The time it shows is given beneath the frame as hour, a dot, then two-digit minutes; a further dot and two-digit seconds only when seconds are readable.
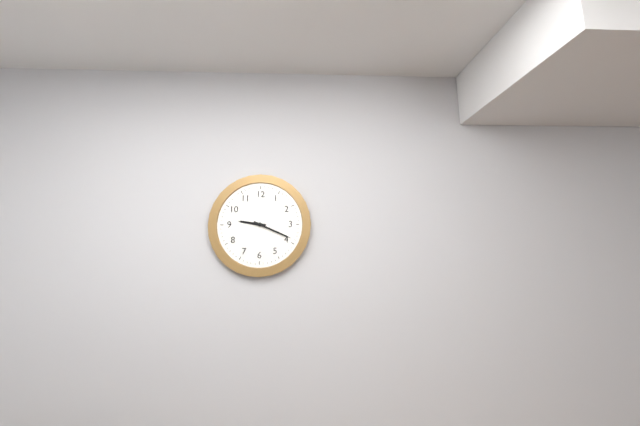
9.19
